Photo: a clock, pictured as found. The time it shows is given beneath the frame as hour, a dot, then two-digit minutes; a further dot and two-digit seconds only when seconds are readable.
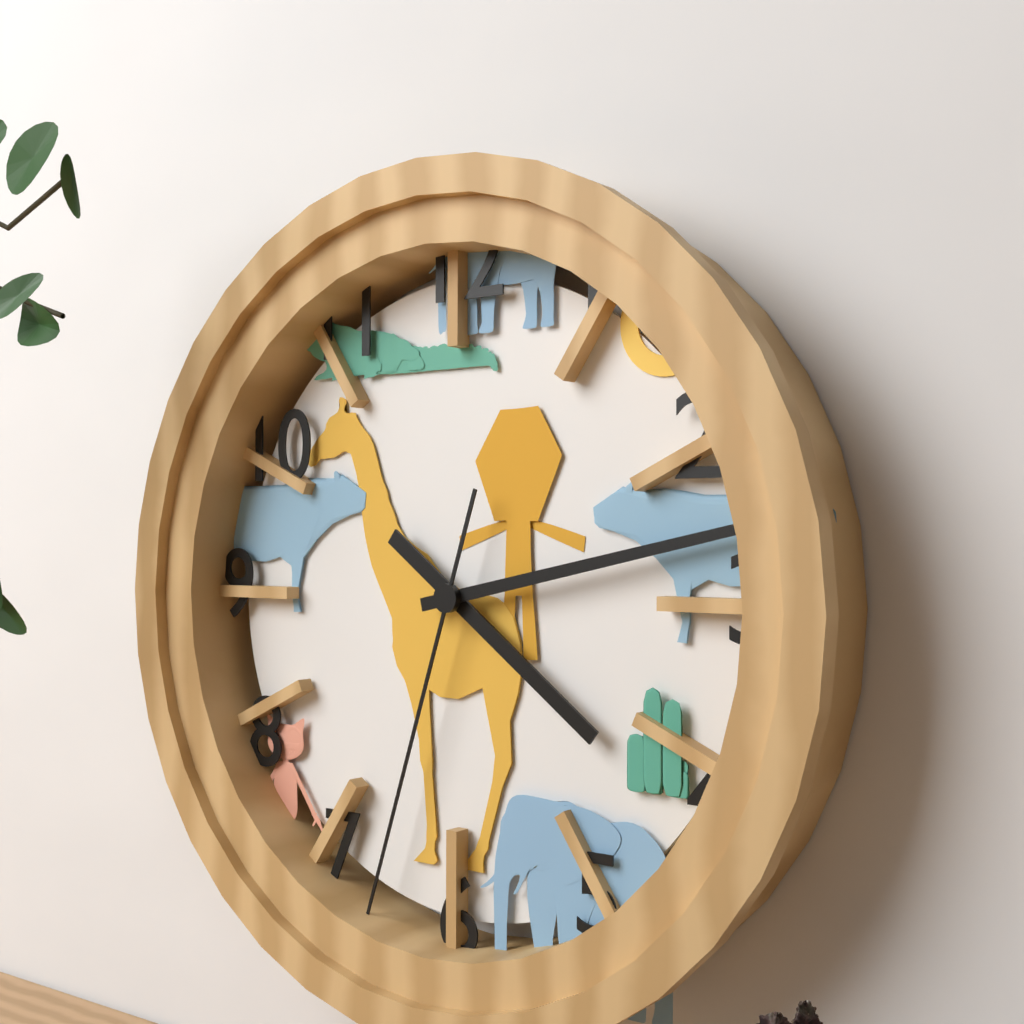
4.13.33
